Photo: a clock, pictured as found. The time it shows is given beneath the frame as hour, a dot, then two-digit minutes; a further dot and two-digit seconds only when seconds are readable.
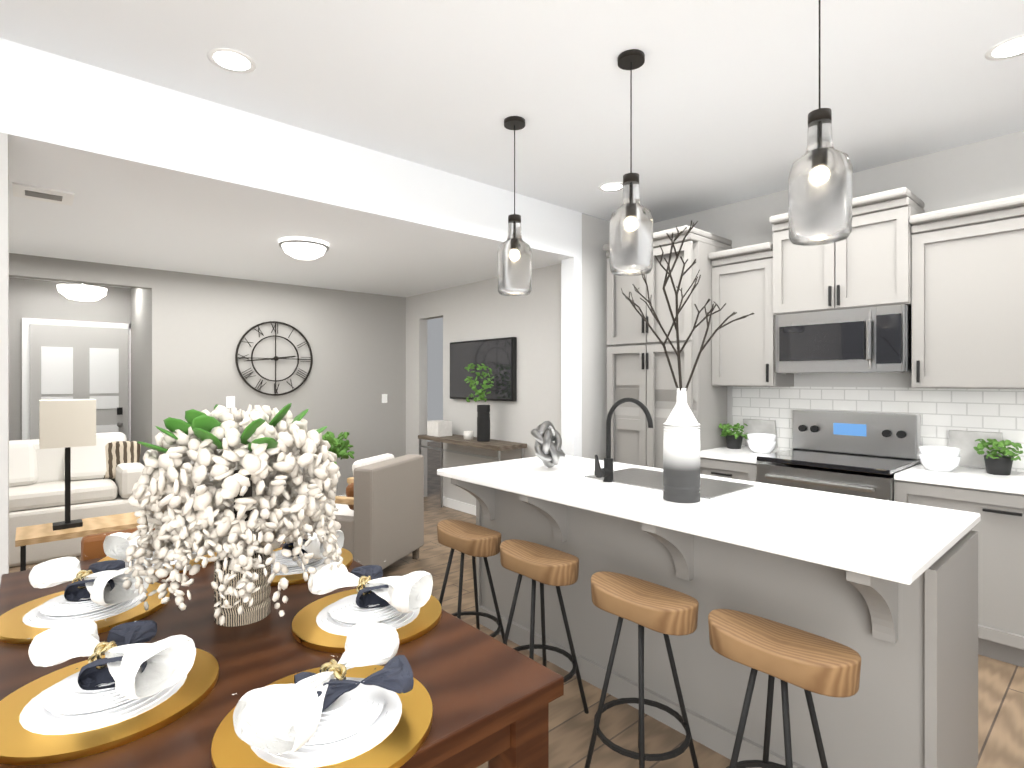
2.44
